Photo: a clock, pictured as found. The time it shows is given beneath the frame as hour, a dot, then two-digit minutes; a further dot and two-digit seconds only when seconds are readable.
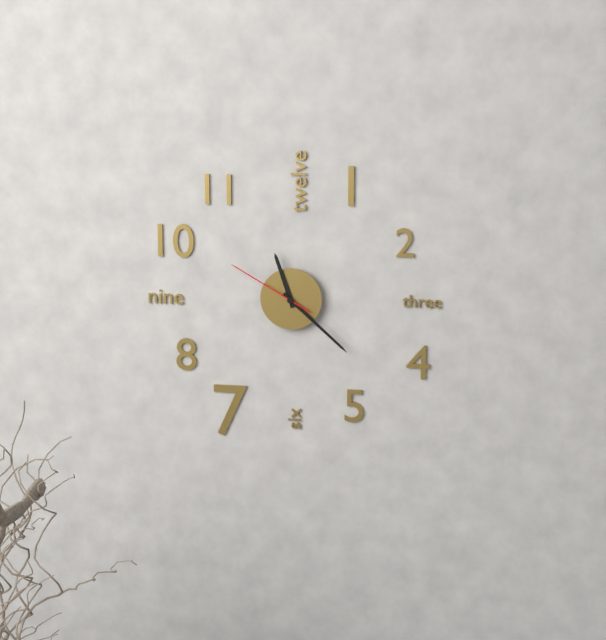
11.22.50
